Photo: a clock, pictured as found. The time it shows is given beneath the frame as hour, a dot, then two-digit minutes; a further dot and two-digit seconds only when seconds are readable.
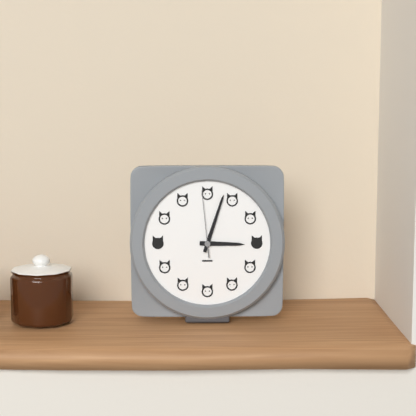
3.03.59
